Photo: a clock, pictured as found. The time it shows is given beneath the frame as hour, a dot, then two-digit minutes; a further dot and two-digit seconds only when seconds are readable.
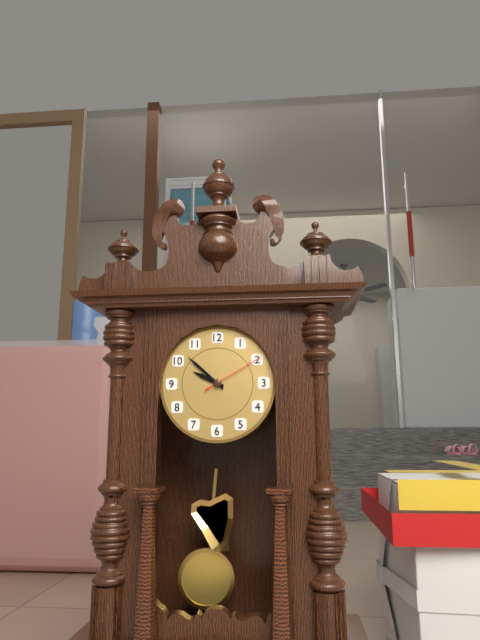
9.52.10
